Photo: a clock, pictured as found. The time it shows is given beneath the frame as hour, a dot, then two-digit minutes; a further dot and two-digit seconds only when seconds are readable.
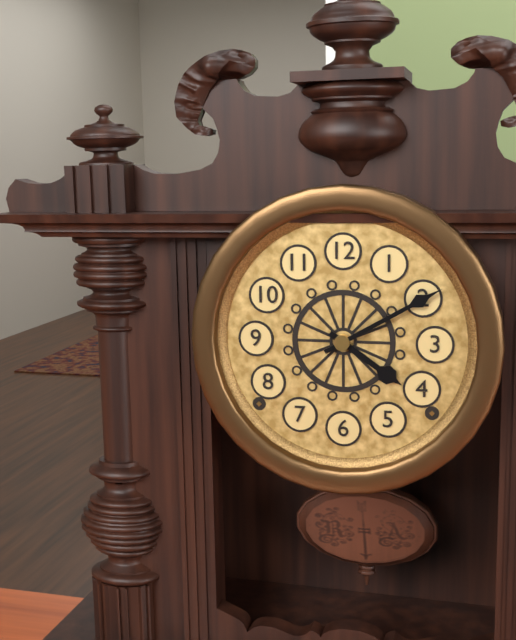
4.10
